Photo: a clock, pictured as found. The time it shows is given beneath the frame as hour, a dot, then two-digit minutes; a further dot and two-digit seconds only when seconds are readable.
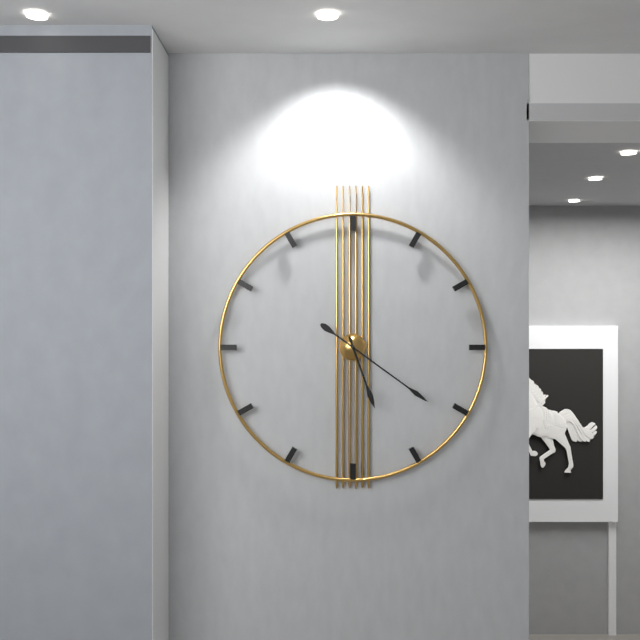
5.21
